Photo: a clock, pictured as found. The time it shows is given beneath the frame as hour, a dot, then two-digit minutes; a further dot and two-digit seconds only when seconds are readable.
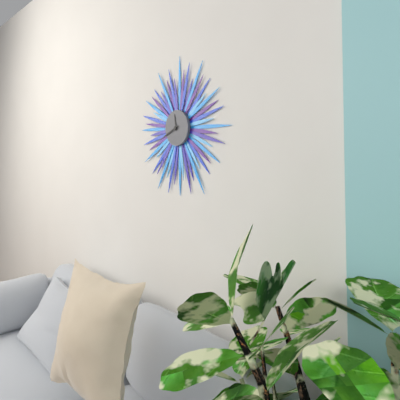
11.41
